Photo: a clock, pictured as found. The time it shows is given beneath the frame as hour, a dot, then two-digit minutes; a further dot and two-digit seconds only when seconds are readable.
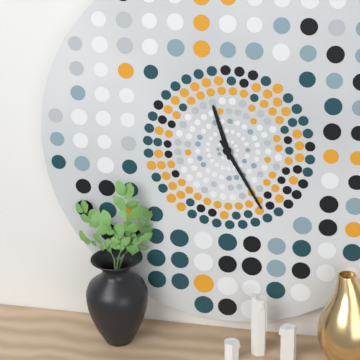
11.25
